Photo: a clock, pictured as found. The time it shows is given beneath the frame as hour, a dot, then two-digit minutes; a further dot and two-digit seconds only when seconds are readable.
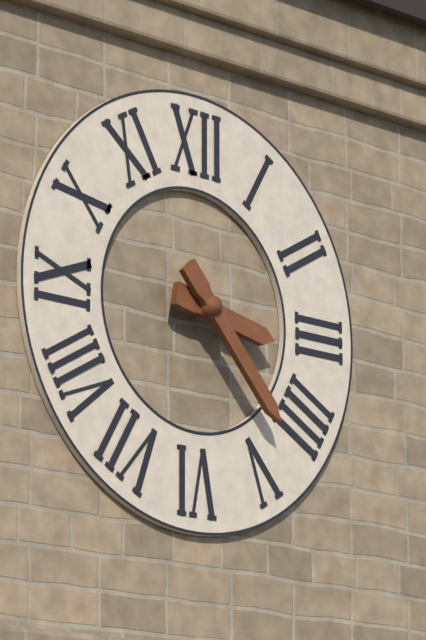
3.23
